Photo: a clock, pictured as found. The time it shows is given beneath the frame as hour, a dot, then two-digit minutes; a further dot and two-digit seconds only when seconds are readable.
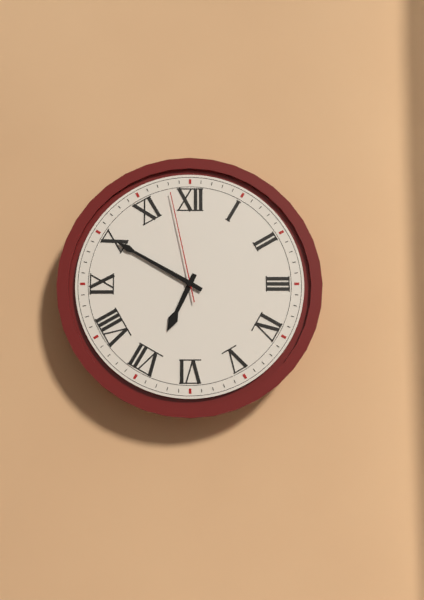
6.50.58
